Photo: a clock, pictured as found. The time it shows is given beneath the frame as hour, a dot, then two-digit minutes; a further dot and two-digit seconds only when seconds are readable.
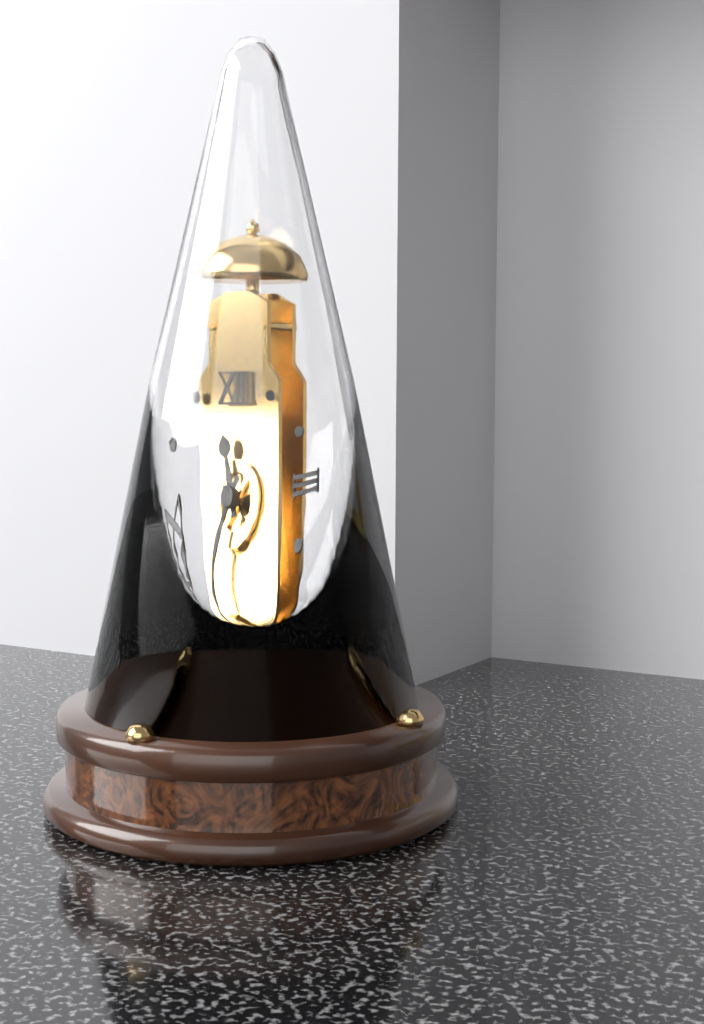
11.36
